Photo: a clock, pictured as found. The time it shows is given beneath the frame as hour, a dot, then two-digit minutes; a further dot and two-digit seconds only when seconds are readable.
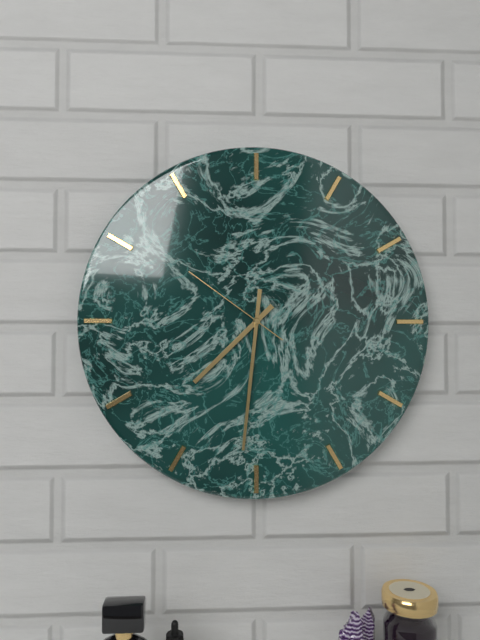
7.31.51
